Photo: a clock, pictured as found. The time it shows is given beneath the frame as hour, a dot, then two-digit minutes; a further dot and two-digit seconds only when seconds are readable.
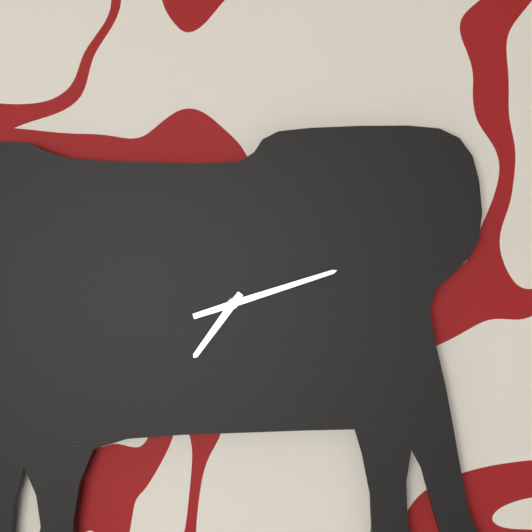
7.12
